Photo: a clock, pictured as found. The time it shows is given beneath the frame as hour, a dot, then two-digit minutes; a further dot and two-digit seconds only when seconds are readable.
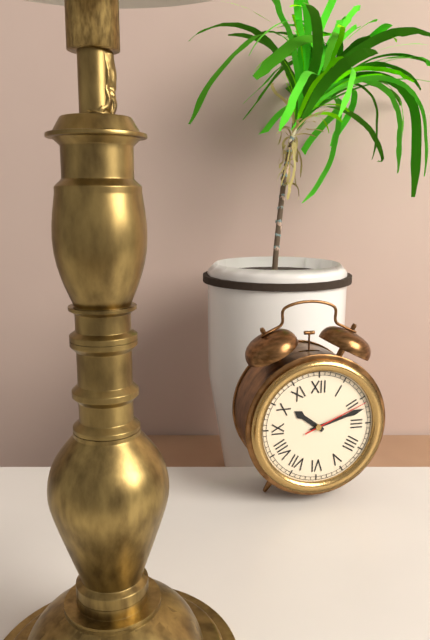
10.12.11
